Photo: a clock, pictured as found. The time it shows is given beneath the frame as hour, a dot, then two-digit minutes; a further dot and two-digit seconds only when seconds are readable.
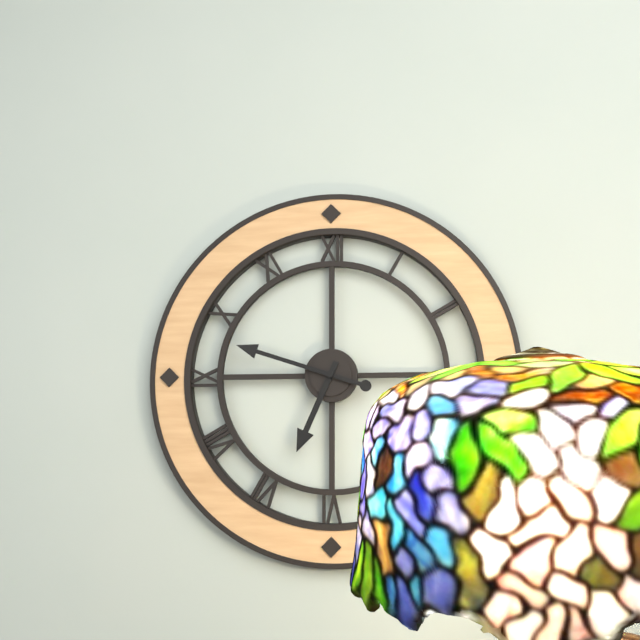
6.48
